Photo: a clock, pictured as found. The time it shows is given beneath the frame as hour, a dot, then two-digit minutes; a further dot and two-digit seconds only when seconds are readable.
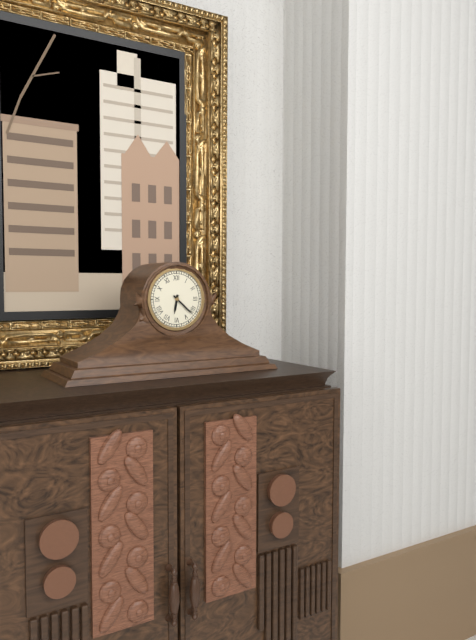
6.22
